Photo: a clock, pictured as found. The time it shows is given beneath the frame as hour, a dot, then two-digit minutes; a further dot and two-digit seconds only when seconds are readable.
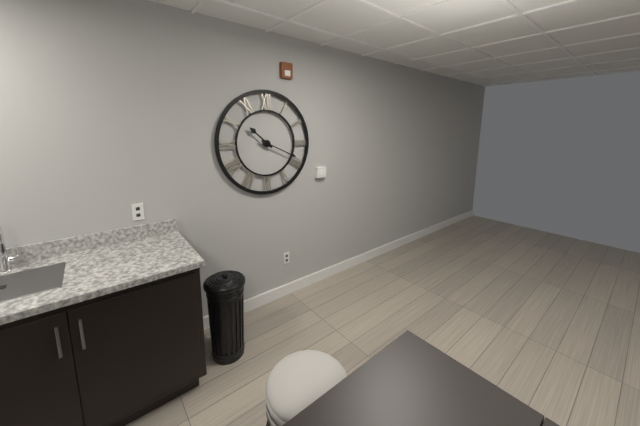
10.19
